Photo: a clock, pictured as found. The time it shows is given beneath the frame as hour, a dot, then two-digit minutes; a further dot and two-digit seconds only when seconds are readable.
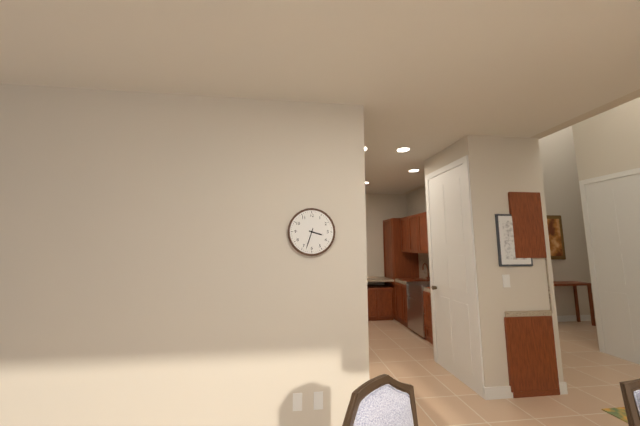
3.33
